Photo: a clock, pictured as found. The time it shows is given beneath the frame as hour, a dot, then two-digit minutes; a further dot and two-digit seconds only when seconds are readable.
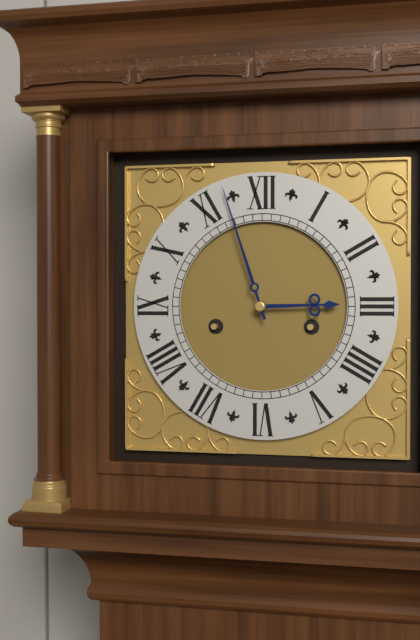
2.57
